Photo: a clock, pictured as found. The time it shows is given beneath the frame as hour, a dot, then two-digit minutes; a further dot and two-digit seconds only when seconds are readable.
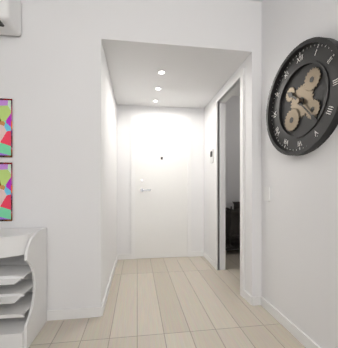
10.23
